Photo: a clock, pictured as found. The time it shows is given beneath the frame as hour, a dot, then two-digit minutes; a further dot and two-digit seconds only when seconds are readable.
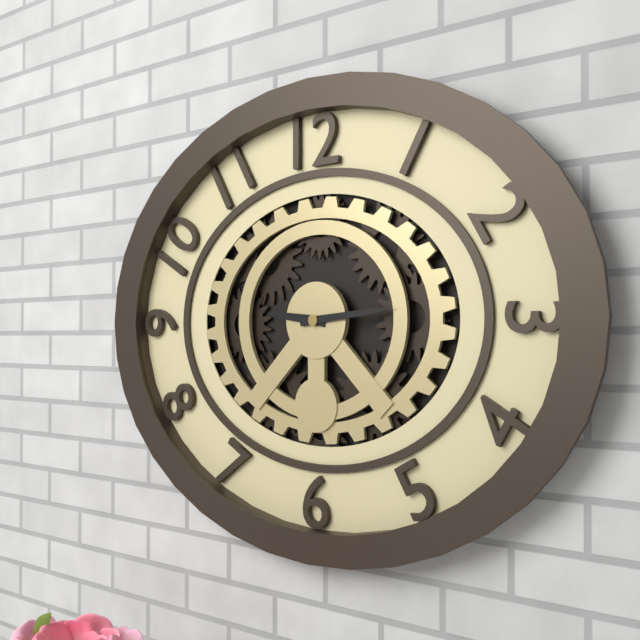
9.14
